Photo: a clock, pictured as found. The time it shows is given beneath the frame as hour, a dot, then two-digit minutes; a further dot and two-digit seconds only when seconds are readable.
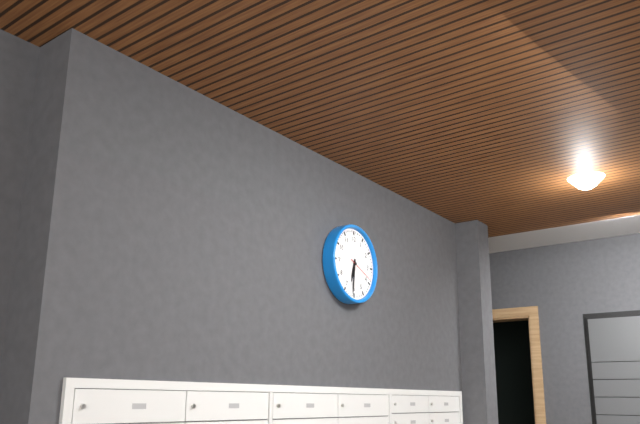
6.31
